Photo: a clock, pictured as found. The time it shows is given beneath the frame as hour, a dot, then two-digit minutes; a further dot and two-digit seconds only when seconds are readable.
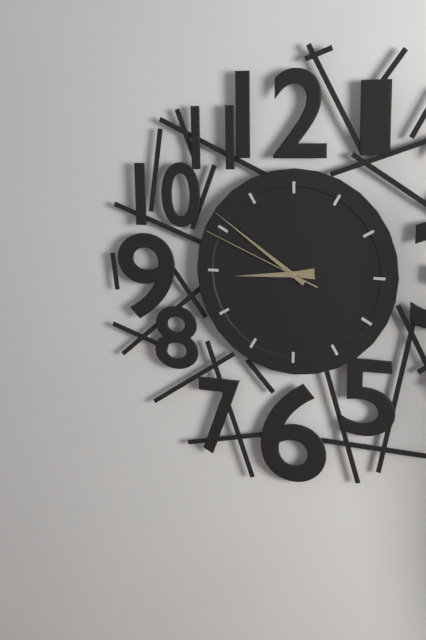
8.51.49
